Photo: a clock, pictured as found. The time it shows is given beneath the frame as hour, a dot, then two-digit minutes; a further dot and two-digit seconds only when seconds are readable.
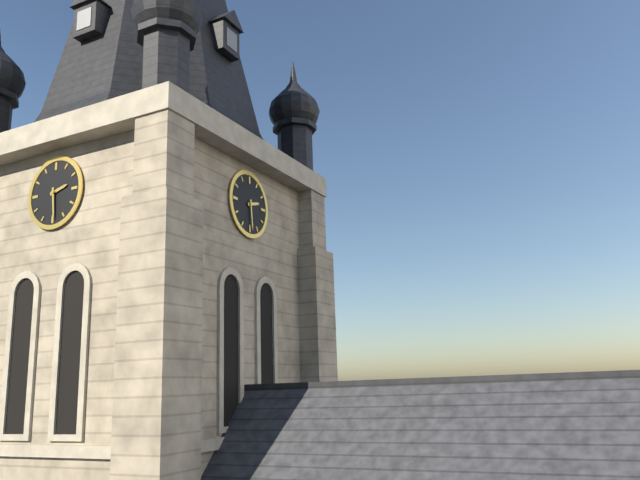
2.29
